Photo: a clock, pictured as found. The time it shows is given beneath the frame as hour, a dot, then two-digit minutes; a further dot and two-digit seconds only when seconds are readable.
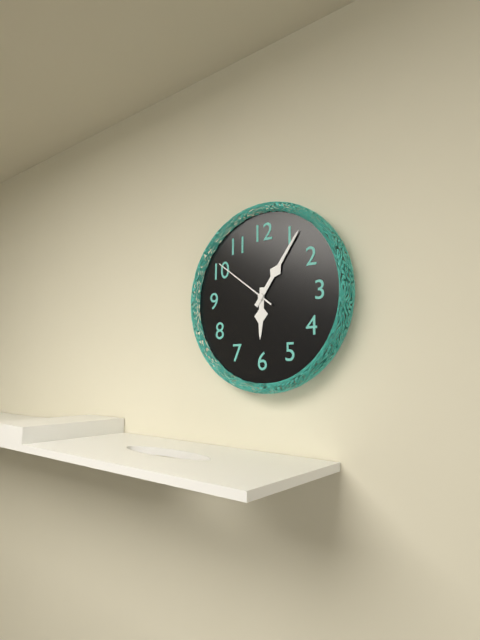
6.06.51
